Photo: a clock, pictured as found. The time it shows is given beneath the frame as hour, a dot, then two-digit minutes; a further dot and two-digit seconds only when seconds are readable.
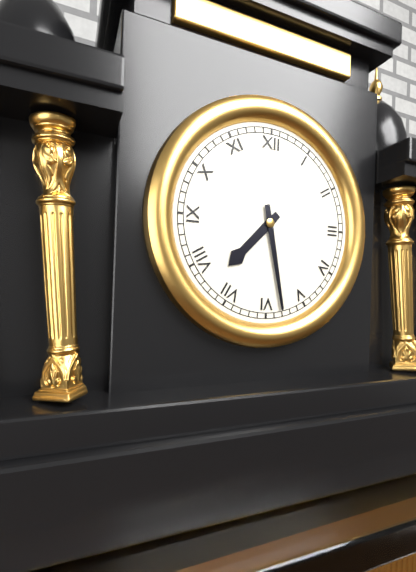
7.28
